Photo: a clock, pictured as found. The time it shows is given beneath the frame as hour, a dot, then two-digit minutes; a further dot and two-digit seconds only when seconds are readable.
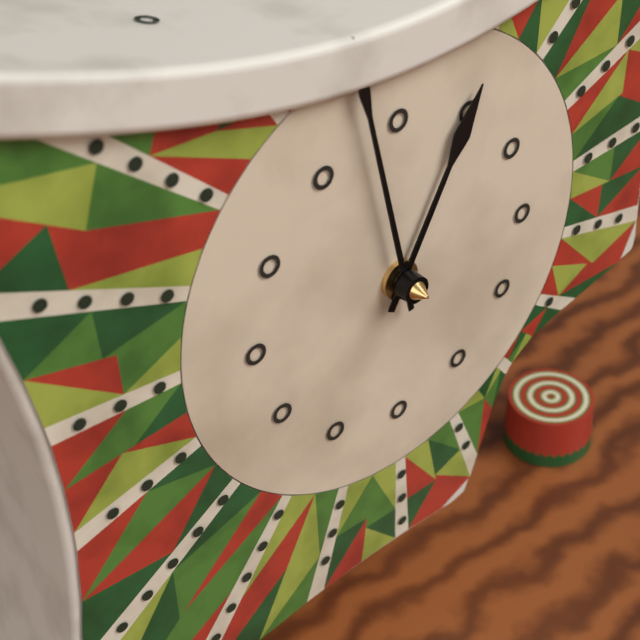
12.58
